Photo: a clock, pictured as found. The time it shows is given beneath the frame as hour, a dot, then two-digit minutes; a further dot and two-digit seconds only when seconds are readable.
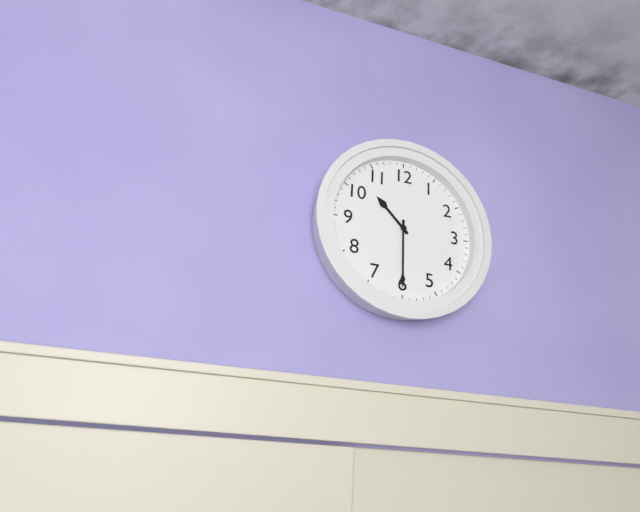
10.30
